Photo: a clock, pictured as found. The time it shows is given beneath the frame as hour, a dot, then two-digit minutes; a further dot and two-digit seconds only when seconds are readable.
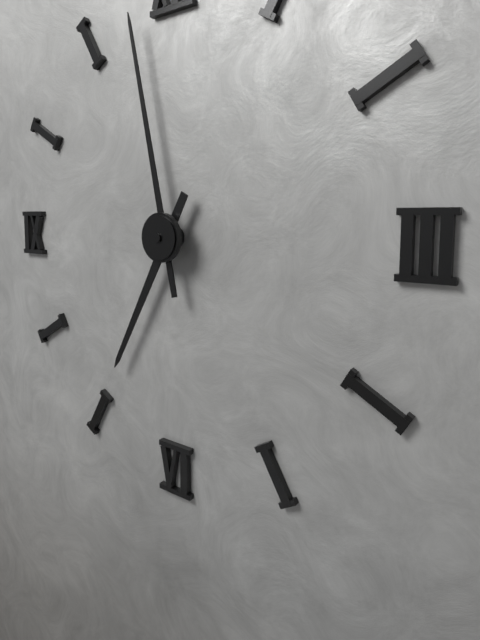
6.58
